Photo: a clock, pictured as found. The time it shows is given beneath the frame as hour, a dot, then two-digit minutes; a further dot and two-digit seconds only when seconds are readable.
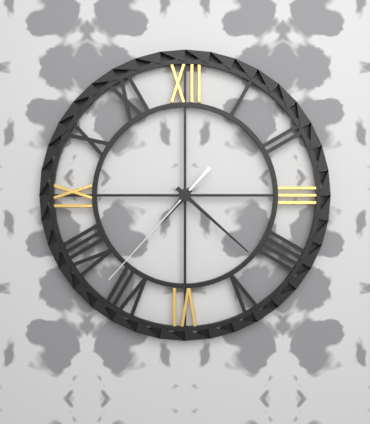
7.22.37
